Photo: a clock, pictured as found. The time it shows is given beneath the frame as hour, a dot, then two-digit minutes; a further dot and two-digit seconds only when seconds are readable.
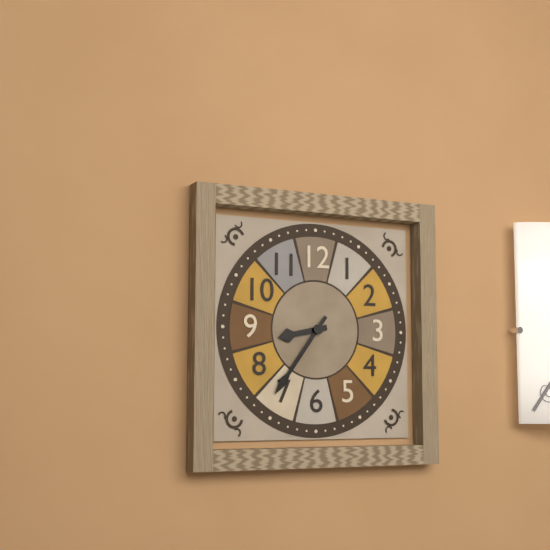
8.36
